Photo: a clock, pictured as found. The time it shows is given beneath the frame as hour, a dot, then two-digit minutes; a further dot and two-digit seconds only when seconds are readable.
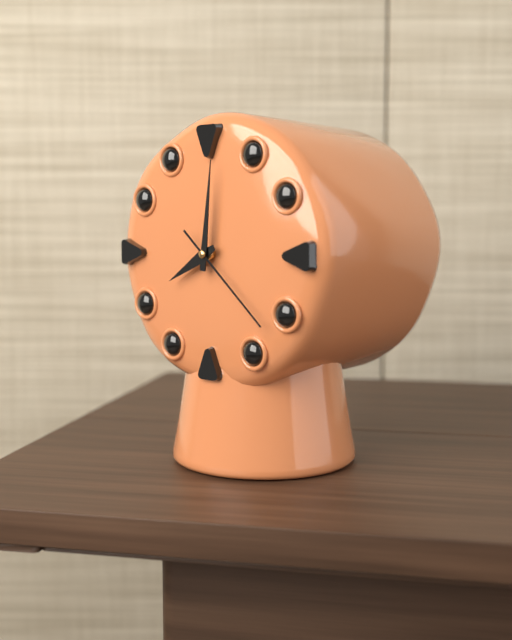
8.01.22
